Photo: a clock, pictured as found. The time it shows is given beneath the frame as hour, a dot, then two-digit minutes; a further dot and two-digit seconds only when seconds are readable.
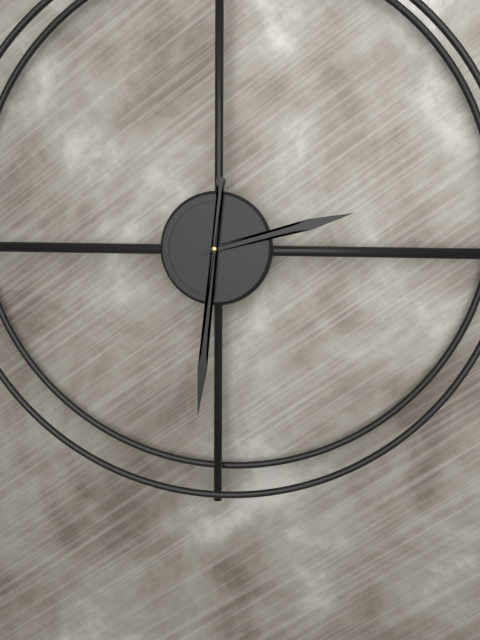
2.31
